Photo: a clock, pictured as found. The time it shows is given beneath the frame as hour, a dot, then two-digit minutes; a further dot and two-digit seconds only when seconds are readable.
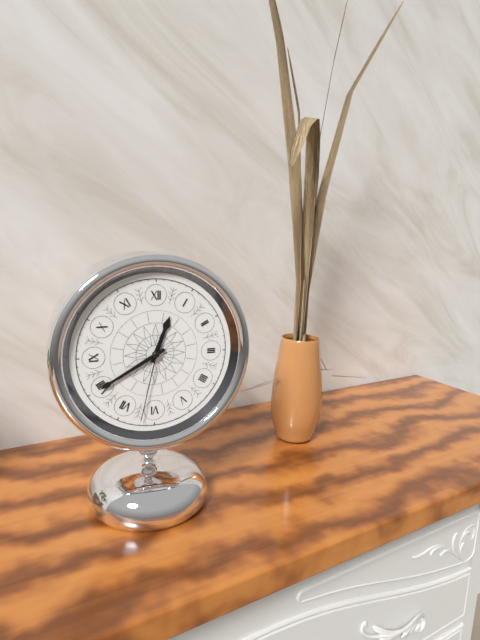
12.40.32
